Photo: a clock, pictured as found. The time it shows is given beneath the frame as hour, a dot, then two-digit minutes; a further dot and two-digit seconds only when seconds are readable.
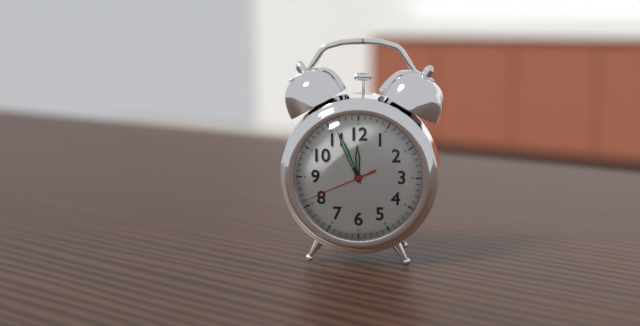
11.56.41
